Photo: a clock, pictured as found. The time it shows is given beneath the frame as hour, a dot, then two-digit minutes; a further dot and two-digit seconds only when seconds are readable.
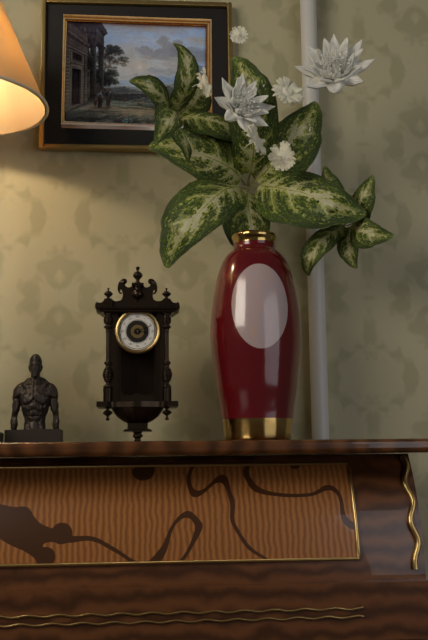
3.11
